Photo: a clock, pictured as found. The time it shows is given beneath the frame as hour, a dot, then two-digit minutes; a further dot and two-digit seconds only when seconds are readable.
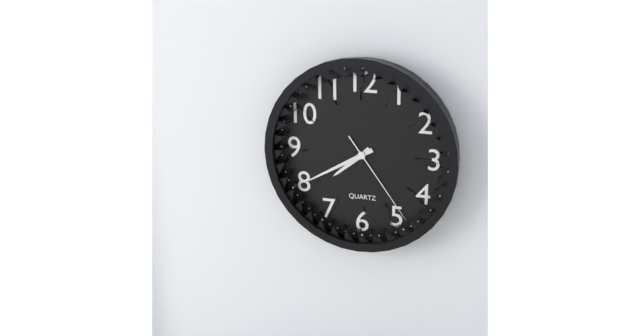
7.40.24
